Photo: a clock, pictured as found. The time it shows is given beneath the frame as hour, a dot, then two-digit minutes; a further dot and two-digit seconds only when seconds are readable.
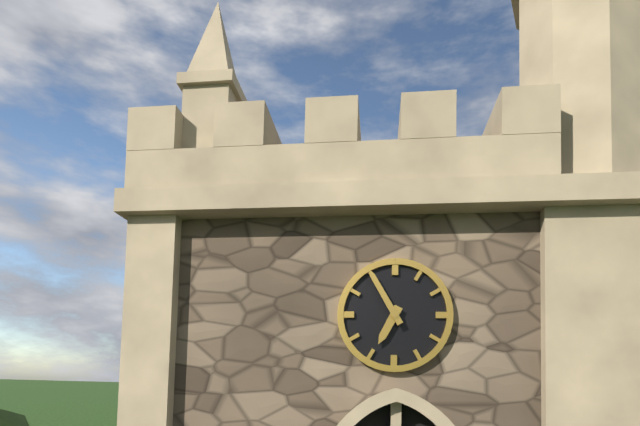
6.55
